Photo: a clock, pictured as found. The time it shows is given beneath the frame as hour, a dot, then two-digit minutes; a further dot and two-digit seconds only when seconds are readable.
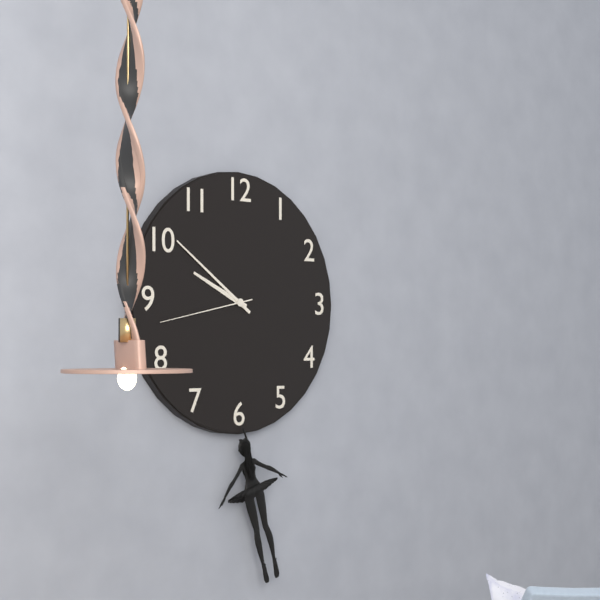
9.51.43
